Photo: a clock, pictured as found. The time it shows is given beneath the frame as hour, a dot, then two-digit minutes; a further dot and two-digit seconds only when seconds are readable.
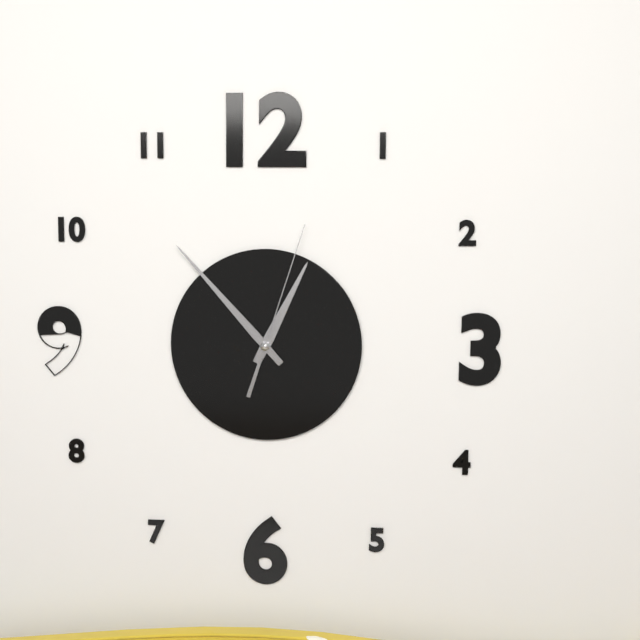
12.53.03
